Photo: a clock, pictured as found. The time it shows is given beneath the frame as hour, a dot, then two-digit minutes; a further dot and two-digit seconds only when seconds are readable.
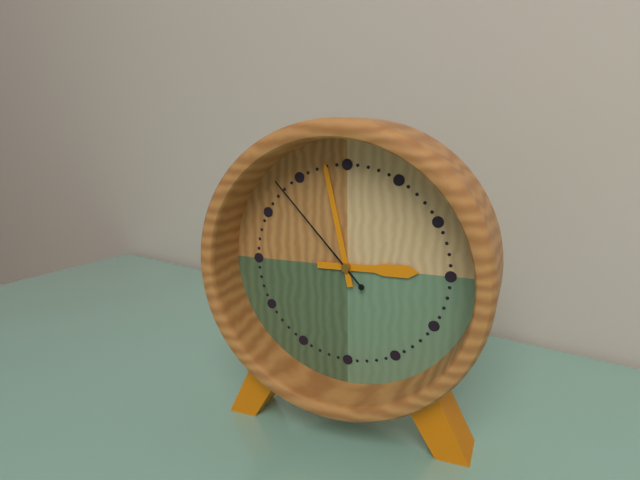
2.58.53
